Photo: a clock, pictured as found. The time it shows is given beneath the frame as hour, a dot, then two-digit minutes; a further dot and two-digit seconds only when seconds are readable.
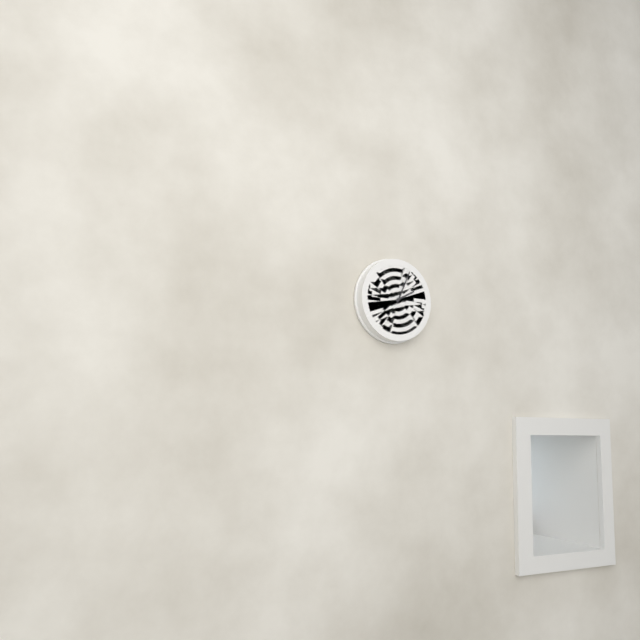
2.04
